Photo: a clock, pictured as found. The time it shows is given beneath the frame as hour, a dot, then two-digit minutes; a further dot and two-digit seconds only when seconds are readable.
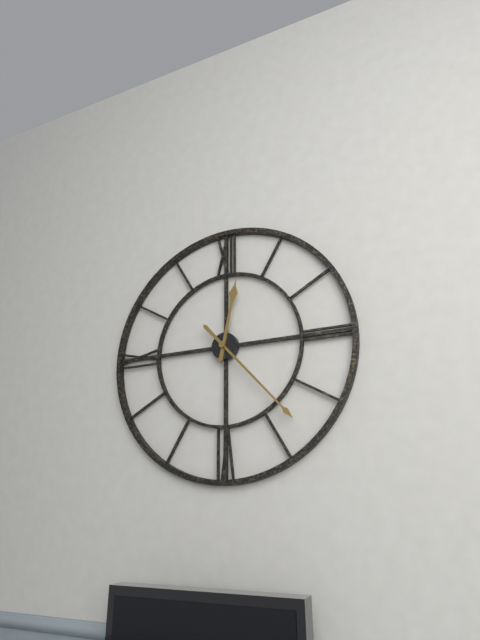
12.23
